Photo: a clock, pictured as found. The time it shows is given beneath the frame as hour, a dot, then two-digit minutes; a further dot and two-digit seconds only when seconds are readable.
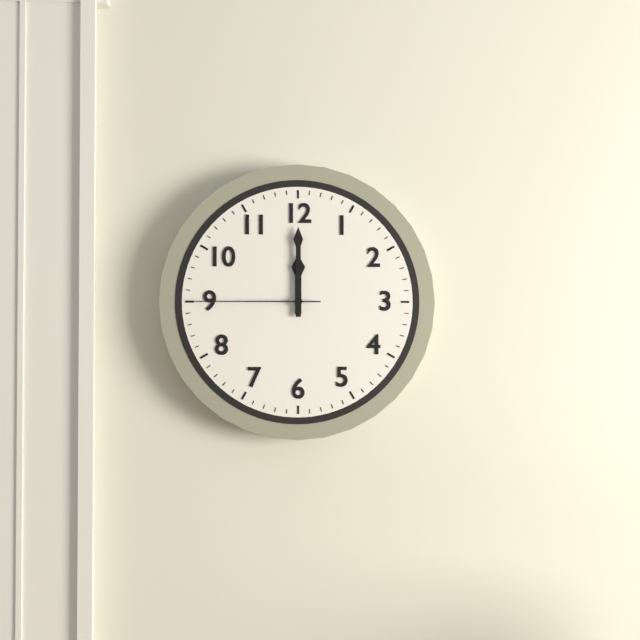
12.00.45
